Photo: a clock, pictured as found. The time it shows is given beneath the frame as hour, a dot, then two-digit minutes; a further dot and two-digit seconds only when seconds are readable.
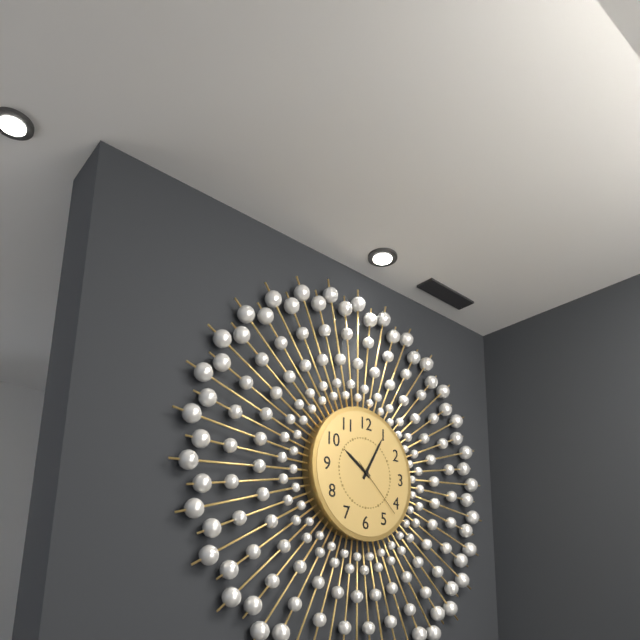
10.05.22
